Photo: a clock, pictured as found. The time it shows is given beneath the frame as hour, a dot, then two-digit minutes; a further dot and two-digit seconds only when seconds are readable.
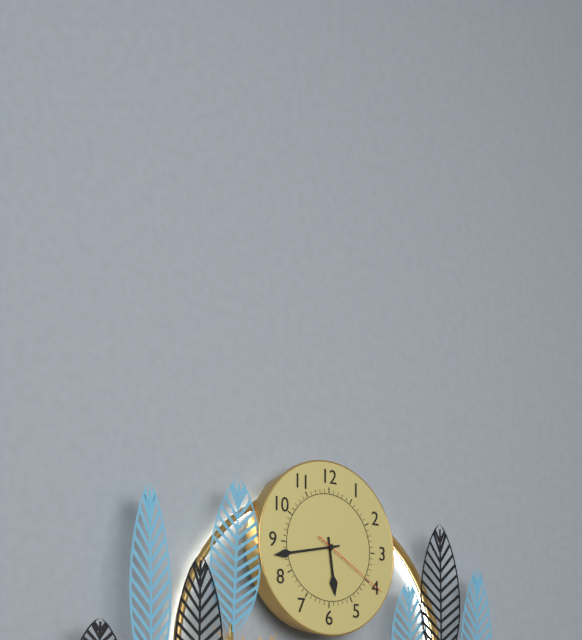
5.43.20
